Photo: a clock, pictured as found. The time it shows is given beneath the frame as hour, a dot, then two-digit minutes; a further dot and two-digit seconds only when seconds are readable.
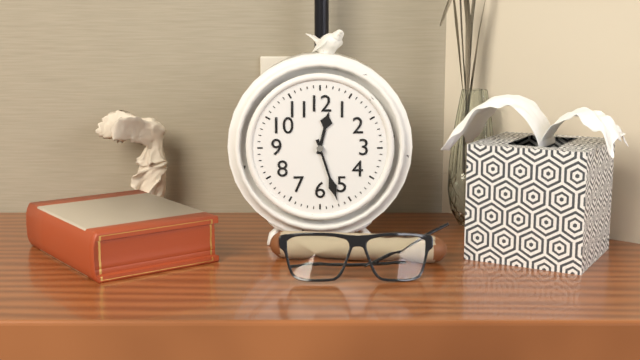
12.27
